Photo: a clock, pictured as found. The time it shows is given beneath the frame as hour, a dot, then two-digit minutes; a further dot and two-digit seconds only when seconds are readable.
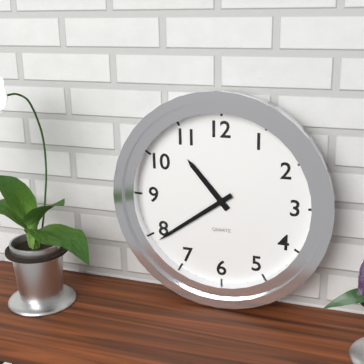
10.39
